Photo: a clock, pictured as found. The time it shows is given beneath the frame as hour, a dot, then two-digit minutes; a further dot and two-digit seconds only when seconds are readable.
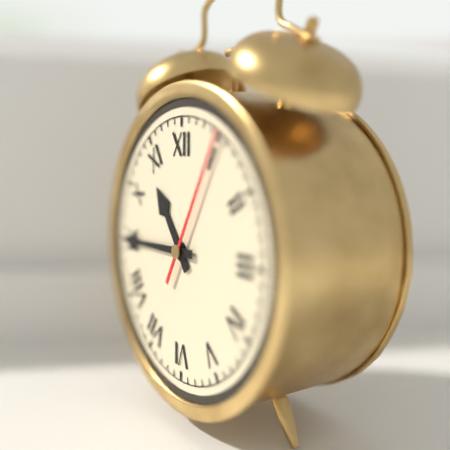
10.45.05
